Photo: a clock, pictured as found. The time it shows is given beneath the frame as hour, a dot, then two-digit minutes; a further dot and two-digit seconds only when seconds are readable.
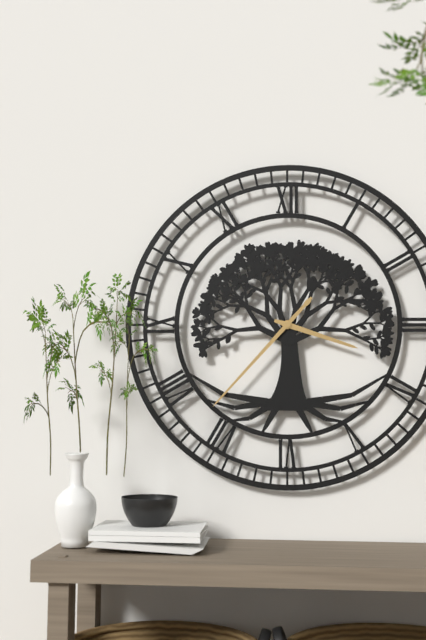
3.37
